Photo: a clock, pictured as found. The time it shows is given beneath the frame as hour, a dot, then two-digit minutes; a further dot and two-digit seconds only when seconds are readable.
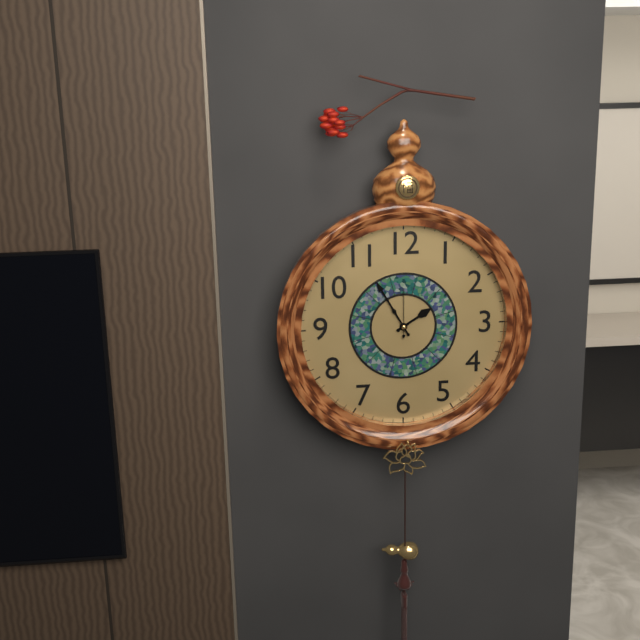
1.55
